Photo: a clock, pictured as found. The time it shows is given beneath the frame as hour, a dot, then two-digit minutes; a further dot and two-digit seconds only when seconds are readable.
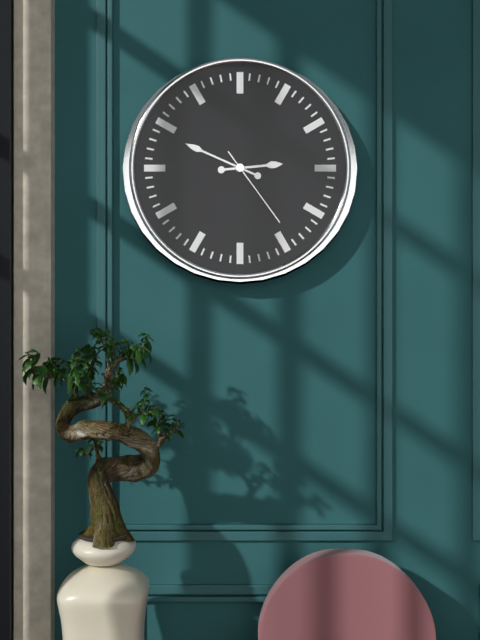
2.49.24
